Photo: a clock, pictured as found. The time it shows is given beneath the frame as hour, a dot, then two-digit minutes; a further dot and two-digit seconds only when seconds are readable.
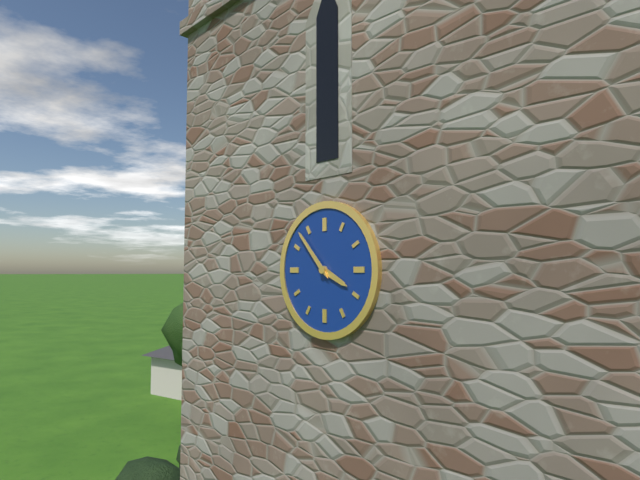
3.53
